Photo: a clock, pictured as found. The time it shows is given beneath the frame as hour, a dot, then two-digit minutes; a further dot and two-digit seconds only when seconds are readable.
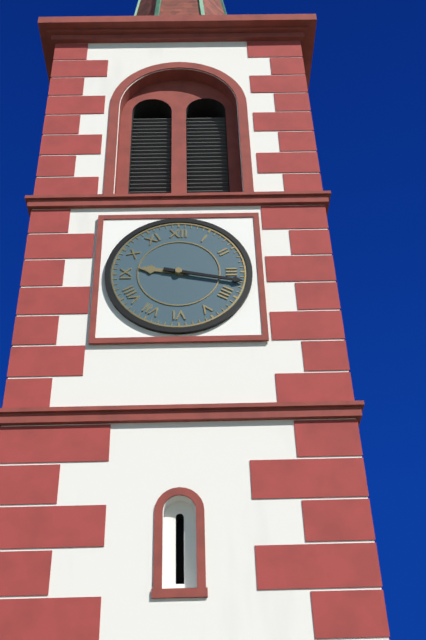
9.17
